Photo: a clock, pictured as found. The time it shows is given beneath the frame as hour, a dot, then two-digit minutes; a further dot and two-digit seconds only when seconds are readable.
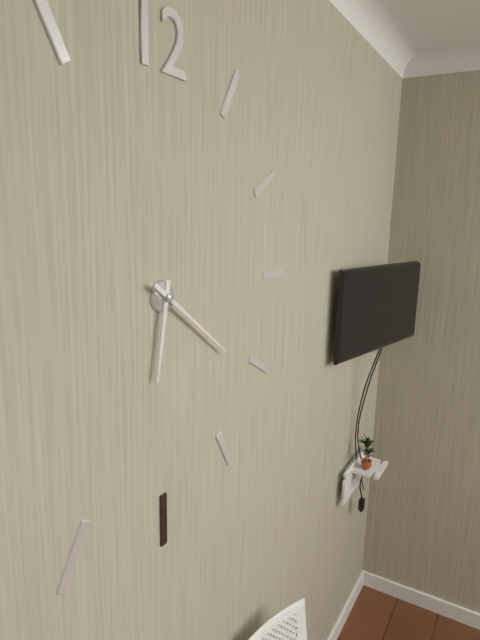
6.21
